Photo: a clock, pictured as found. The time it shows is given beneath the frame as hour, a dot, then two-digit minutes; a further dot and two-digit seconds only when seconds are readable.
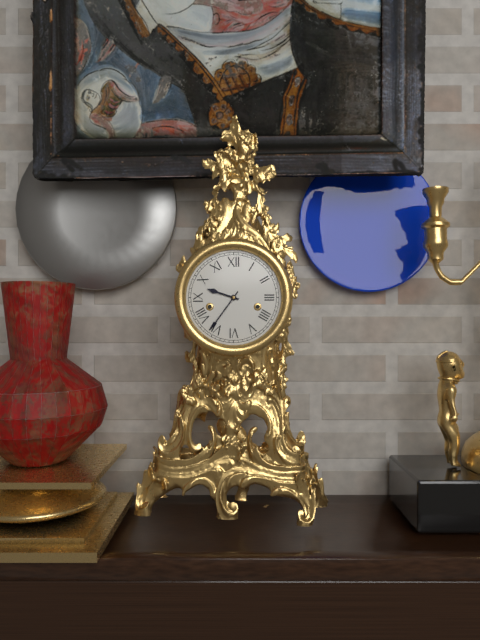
9.36
